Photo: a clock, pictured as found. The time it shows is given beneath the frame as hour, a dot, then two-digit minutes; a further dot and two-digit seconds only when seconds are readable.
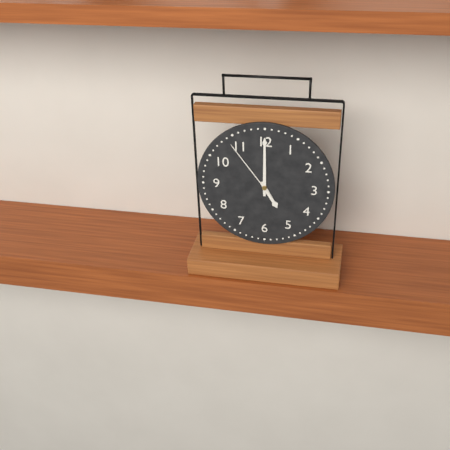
5.00.54
